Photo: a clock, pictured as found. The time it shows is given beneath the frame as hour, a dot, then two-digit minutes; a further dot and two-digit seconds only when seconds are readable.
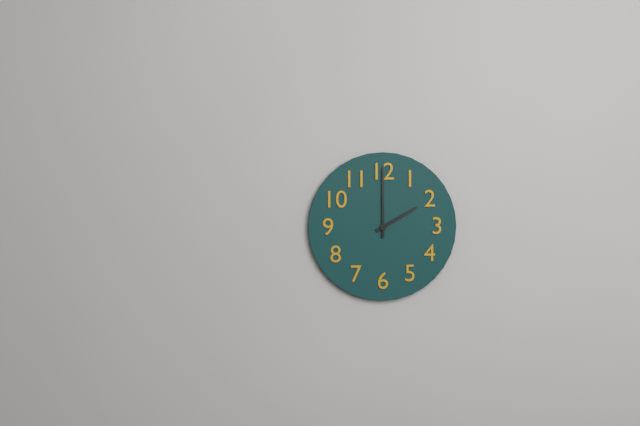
2.00
